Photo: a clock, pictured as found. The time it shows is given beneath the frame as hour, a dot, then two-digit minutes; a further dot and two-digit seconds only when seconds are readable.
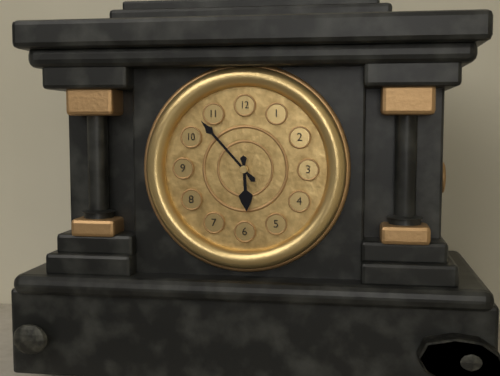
5.53
